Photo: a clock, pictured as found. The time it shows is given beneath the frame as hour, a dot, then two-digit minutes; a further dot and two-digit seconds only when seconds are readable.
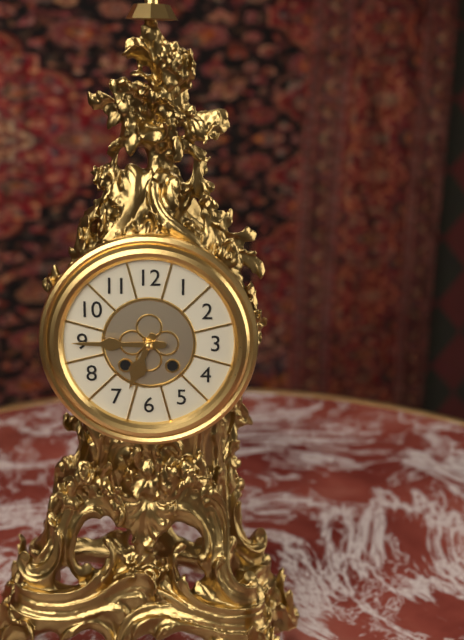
6.45
